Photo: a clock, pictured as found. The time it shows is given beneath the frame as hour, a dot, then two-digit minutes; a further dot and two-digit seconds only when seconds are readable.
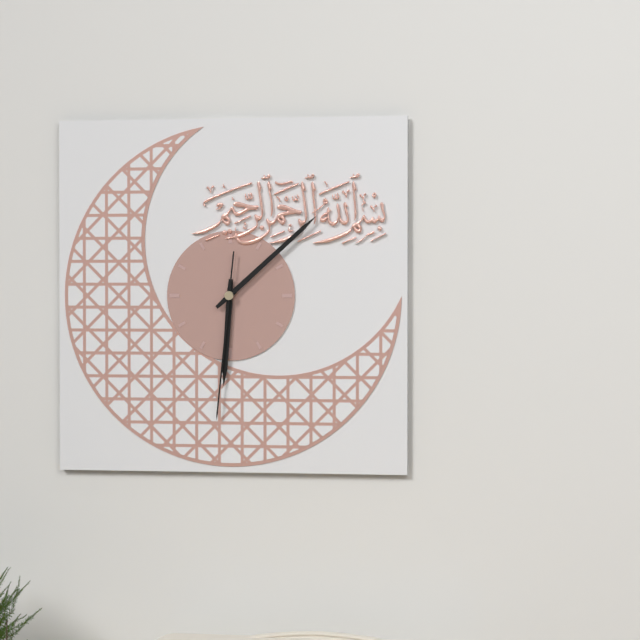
6.08.31
